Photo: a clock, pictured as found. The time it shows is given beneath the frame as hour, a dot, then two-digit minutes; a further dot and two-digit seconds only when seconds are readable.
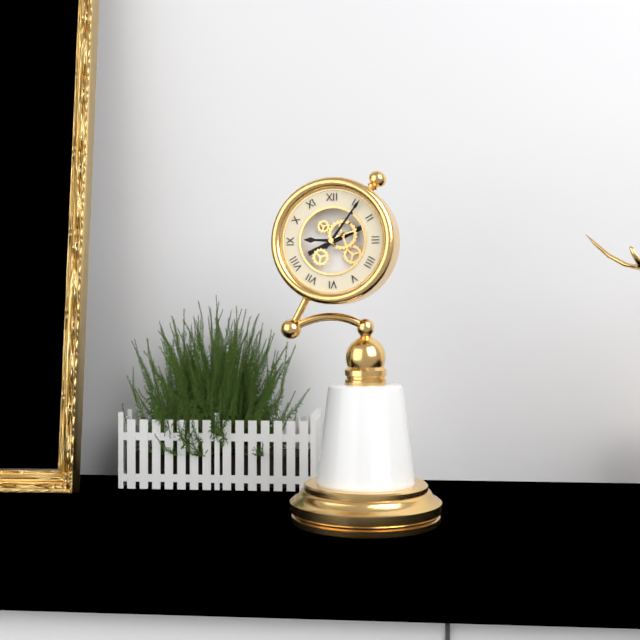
9.06
